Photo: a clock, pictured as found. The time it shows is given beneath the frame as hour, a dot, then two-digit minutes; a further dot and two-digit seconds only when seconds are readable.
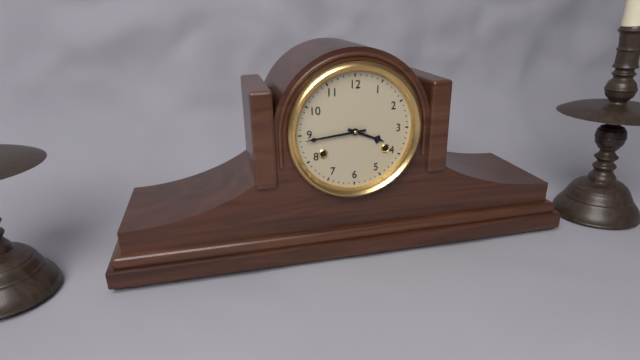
3.44
